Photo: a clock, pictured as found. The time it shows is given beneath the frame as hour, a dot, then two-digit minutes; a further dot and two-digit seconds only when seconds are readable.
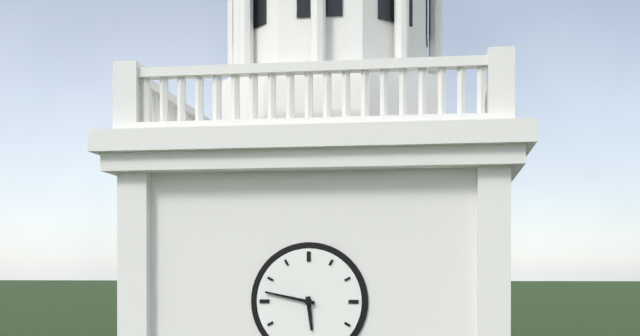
5.47
